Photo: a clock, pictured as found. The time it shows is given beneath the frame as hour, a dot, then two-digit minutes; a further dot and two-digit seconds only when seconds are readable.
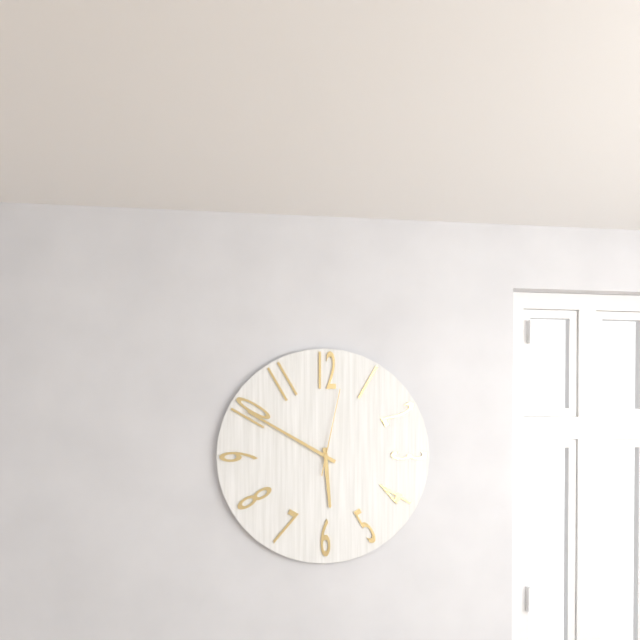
5.50.02
